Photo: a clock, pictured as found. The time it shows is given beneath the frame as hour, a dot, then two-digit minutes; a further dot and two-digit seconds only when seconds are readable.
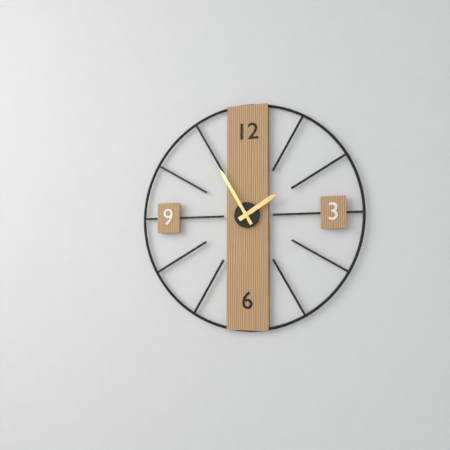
1.55
